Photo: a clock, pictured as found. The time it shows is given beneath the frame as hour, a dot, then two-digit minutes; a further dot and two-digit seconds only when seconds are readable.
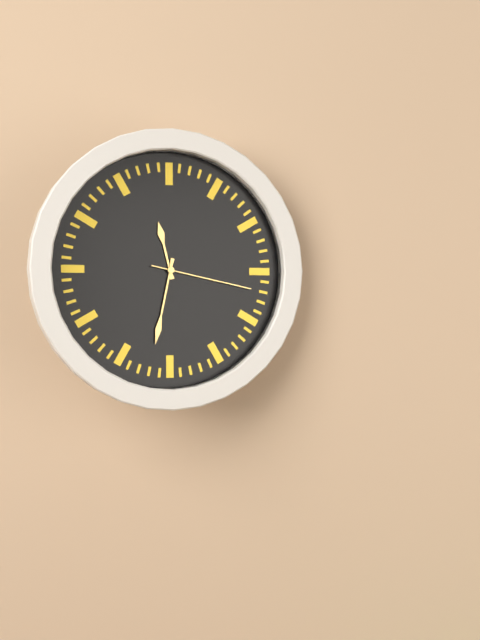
11.32.17
